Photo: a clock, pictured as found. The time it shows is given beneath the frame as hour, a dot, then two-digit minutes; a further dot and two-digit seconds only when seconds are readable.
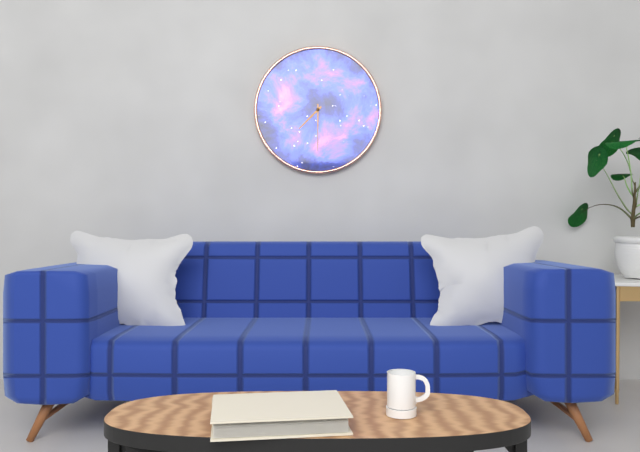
7.30
